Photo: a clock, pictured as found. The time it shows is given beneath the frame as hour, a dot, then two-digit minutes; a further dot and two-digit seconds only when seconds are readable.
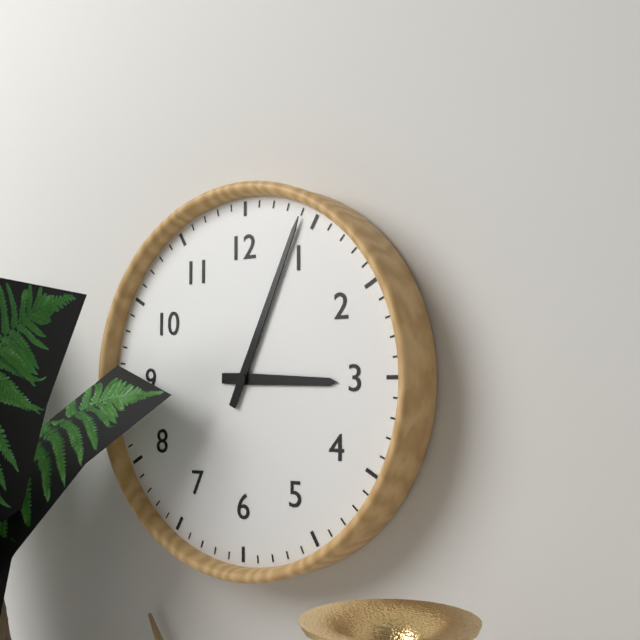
3.04
